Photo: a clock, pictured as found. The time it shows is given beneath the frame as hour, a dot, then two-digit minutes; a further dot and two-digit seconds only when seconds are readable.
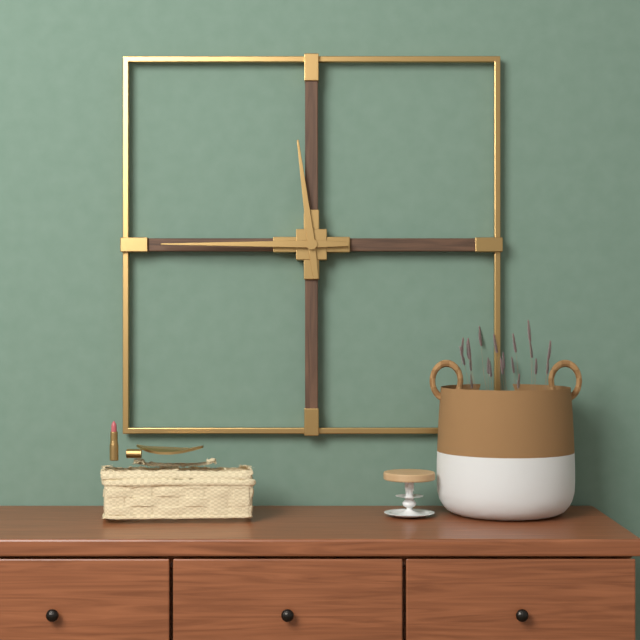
11.45
